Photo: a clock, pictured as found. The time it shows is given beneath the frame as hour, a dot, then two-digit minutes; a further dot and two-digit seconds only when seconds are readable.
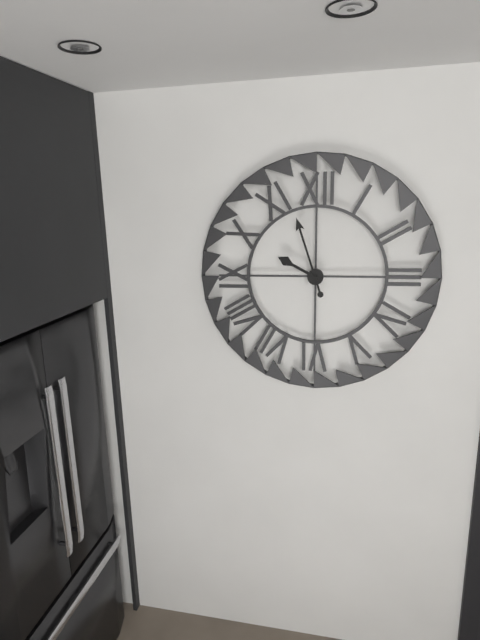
9.57
